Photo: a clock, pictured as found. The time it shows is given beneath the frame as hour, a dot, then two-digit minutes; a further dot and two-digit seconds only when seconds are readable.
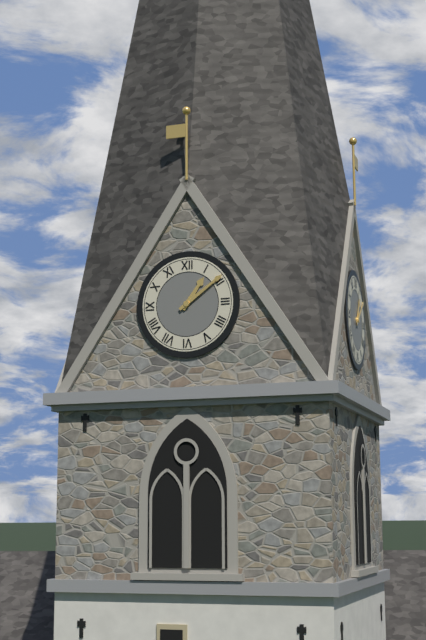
1.09
